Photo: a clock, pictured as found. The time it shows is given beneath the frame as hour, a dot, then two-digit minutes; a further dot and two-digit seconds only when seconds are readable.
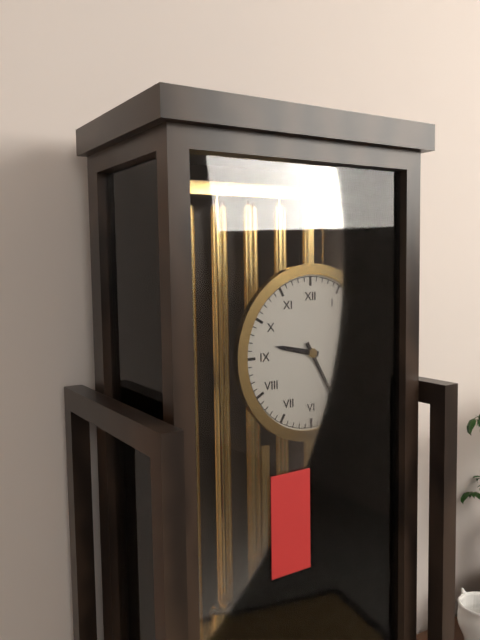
9.25
